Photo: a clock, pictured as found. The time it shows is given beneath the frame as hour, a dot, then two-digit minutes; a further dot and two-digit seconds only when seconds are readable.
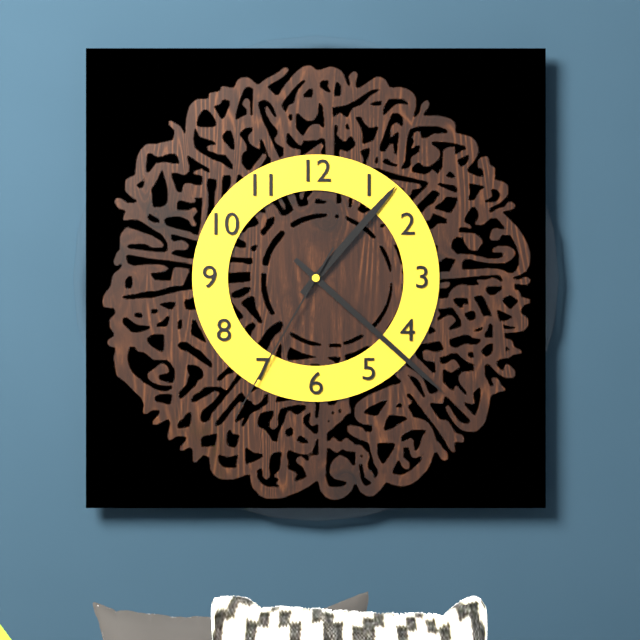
1.22.35
